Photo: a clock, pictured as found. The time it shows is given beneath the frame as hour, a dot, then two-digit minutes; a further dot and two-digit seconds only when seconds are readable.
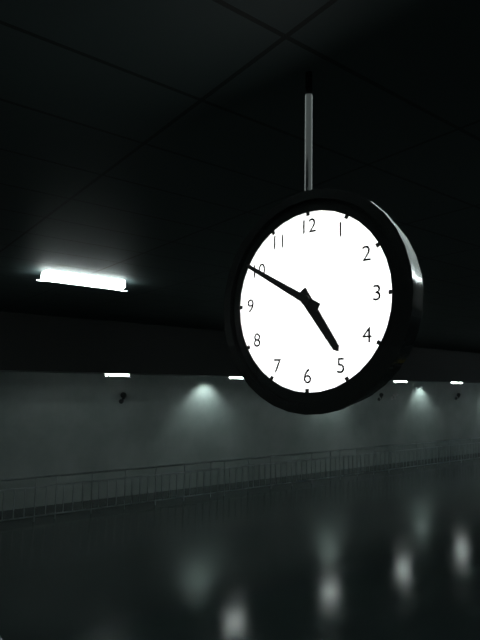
4.50
